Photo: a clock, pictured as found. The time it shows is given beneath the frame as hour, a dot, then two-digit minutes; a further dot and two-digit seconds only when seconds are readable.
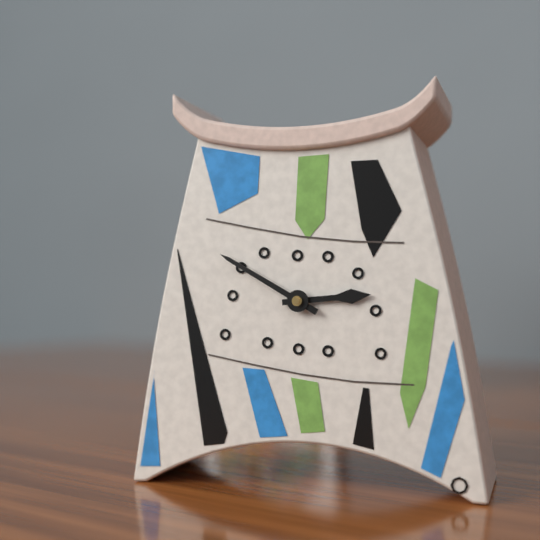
2.50
